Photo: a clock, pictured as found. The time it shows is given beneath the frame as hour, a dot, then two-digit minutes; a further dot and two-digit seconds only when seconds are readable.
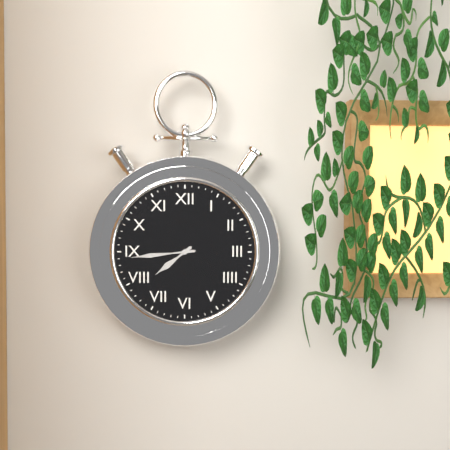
7.44
